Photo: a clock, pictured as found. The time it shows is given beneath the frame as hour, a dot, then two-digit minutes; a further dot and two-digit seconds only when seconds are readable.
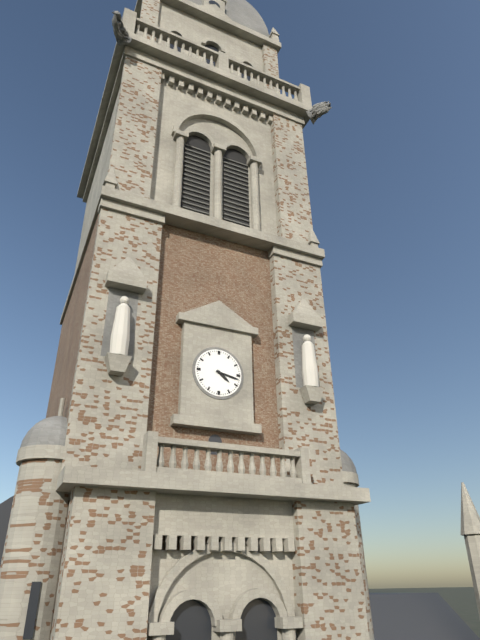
4.17
